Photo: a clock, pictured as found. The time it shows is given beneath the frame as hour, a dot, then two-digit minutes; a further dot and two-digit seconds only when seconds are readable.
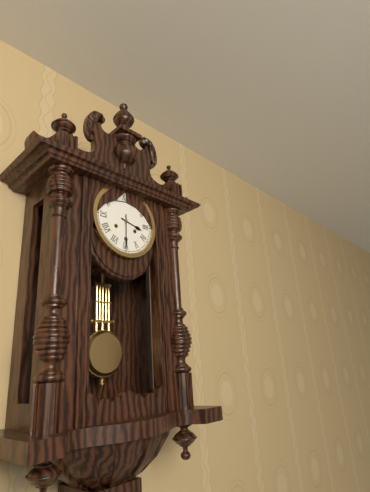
3.30
